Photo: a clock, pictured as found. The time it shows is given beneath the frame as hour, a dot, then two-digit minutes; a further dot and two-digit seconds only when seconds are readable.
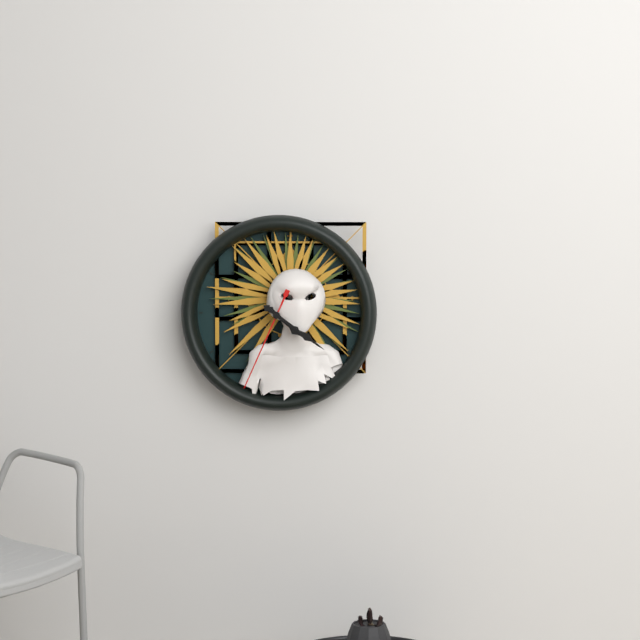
4.21.34
